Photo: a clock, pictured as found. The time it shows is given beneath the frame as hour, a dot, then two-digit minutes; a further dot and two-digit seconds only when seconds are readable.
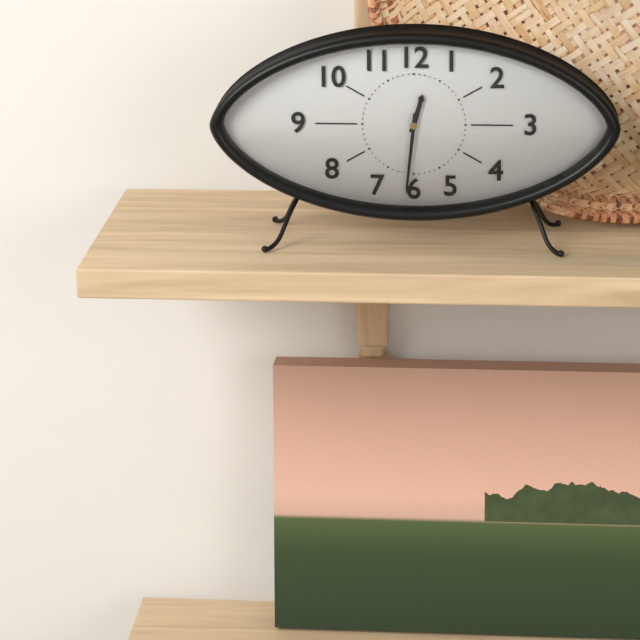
12.31
